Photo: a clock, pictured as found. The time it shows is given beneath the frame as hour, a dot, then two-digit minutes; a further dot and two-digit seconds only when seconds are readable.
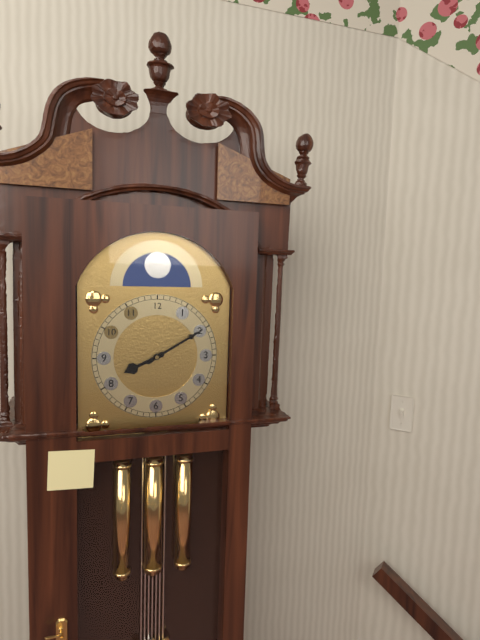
8.10
